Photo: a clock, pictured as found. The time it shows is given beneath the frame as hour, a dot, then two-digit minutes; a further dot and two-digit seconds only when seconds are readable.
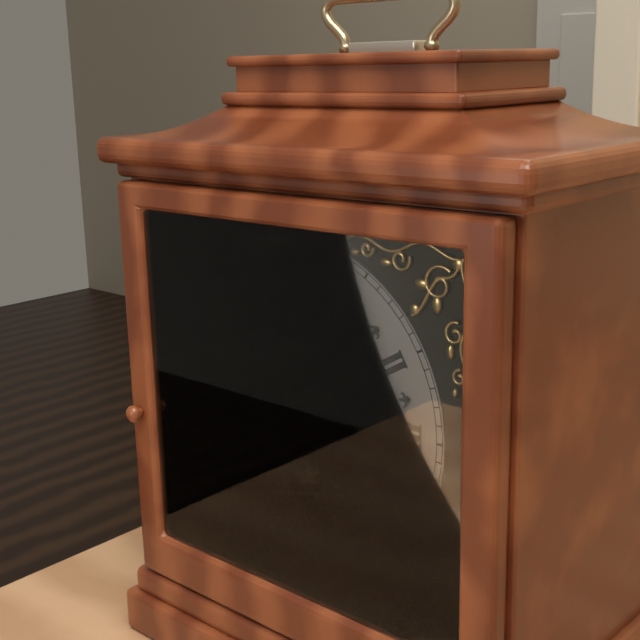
5.23
